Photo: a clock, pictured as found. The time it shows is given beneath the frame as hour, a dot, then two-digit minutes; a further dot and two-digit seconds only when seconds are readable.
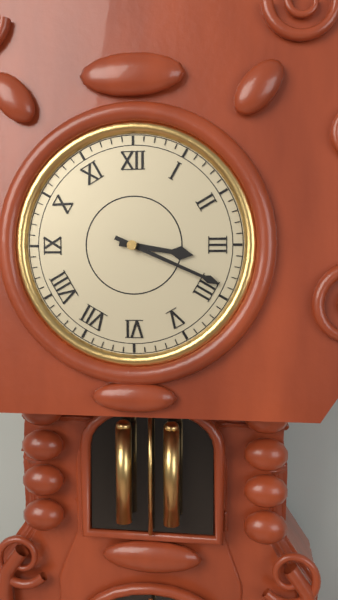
3.19
